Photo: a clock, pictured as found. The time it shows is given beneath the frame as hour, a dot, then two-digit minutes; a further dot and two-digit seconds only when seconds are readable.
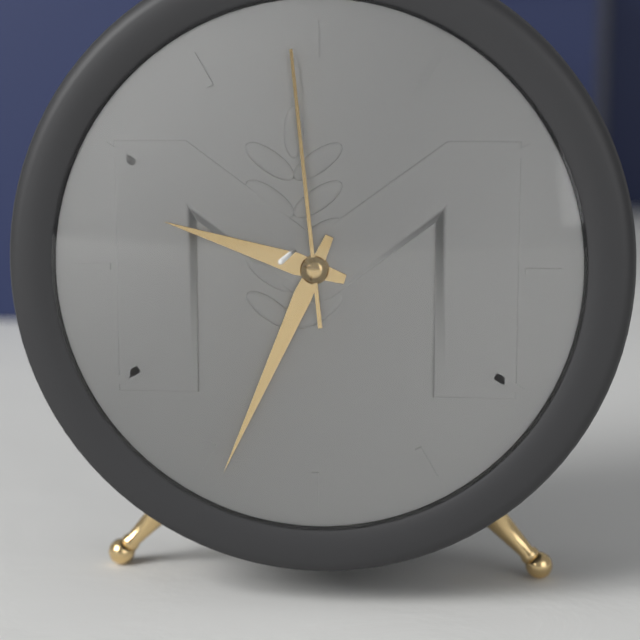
9.34.59
